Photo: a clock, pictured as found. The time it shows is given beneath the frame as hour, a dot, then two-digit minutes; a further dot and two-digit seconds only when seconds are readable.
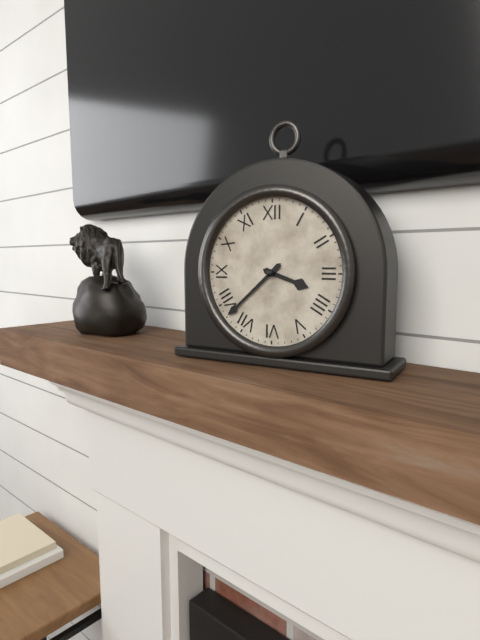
3.38
